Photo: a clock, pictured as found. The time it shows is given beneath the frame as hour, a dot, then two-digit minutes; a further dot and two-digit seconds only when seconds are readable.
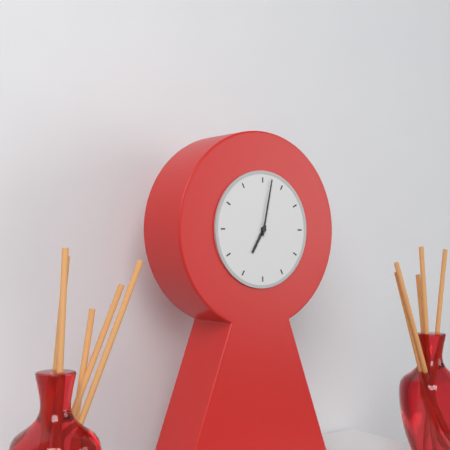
7.02
